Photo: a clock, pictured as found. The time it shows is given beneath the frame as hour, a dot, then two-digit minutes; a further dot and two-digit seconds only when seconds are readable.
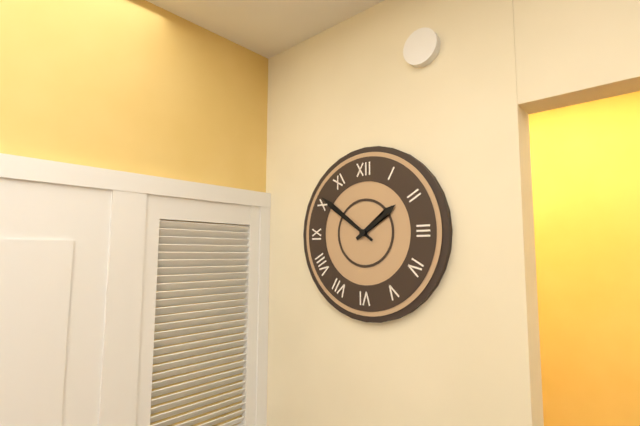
1.51
